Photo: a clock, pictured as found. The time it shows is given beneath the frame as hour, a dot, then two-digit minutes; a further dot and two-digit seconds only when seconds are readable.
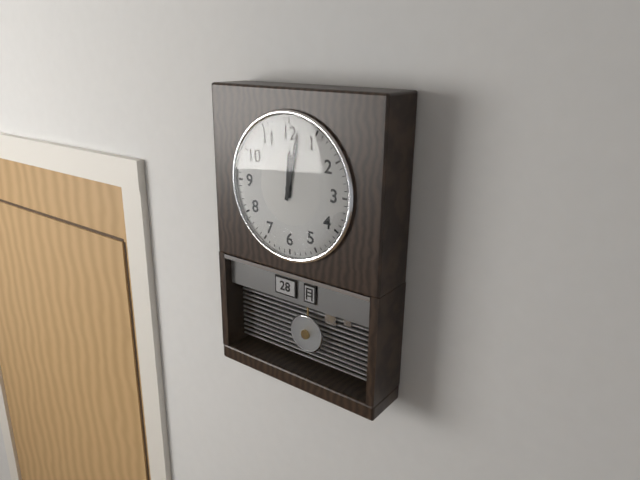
12.02
